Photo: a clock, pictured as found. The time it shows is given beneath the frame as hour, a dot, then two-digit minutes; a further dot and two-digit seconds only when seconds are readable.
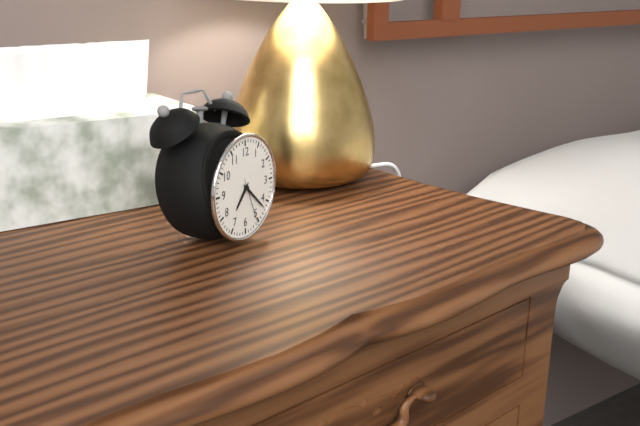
7.22
